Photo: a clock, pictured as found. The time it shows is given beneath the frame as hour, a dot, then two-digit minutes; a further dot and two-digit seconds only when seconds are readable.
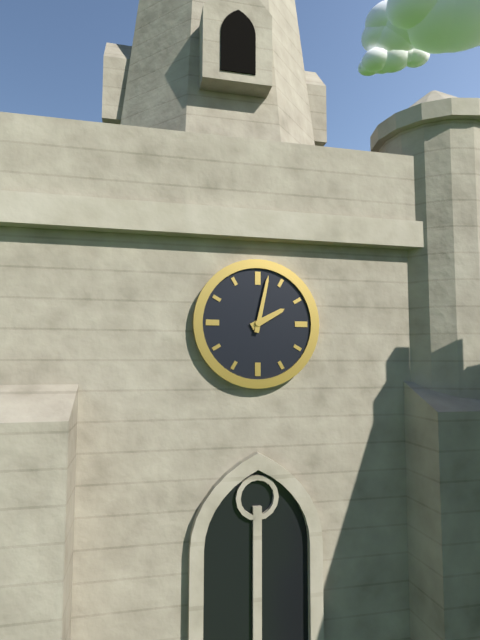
2.02
